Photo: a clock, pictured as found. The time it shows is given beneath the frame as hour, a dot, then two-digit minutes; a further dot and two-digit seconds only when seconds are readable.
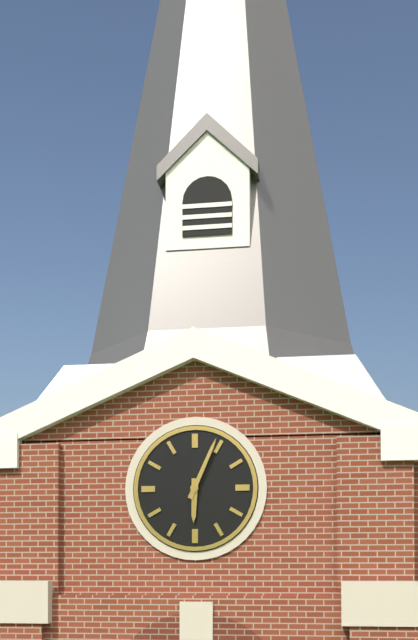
6.04
